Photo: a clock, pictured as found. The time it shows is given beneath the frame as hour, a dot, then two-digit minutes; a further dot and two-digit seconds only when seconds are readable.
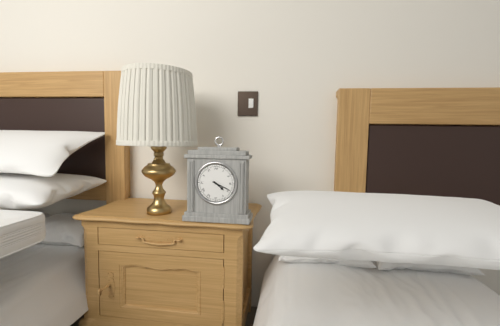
4.19
